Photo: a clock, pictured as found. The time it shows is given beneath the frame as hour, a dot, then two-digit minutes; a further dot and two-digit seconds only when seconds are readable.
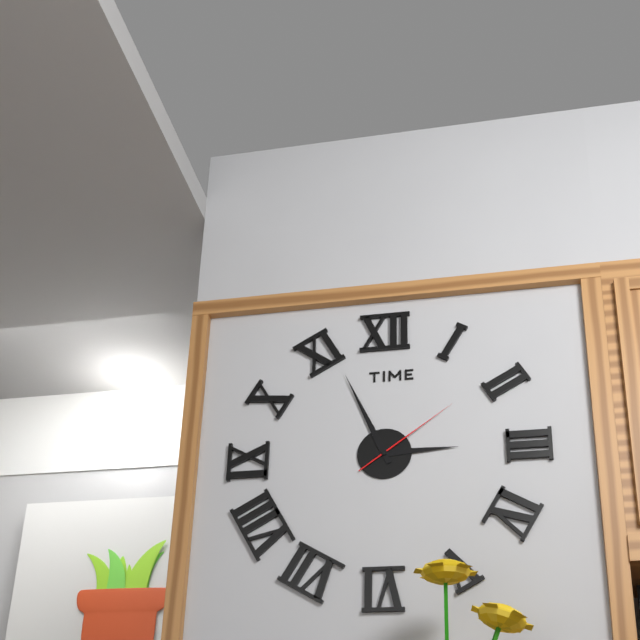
2.56.09
